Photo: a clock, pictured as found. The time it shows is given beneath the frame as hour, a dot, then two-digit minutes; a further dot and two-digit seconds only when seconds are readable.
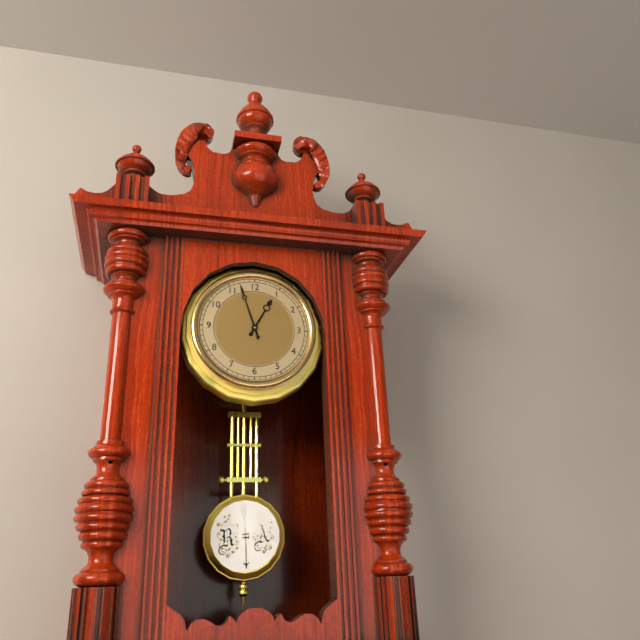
12.57
